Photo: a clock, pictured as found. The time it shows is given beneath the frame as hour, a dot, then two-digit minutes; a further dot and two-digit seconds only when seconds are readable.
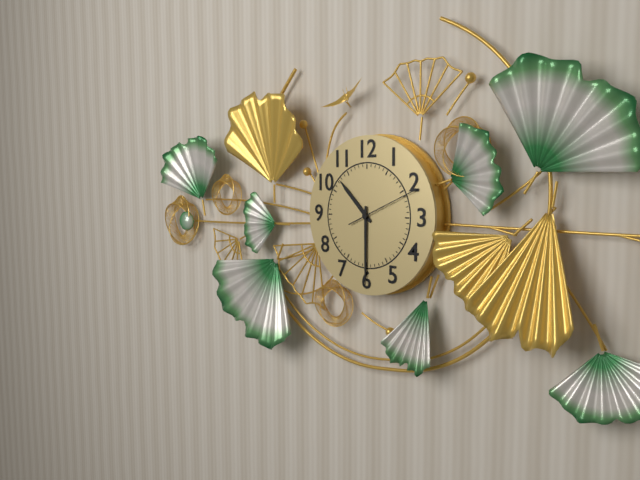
10.30.11
